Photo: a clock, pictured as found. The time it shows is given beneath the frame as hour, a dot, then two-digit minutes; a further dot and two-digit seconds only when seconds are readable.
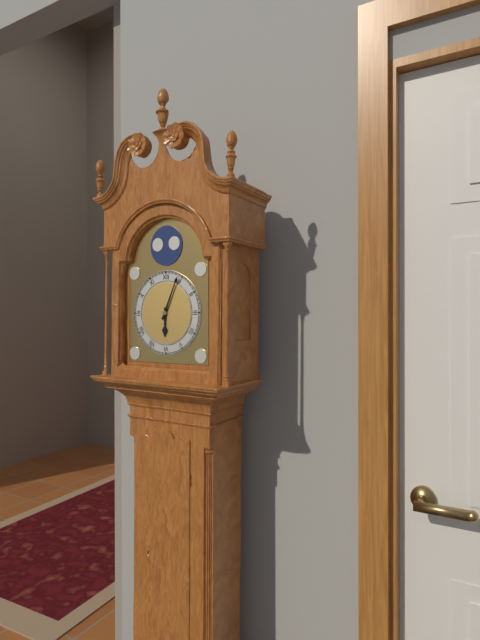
6.04
